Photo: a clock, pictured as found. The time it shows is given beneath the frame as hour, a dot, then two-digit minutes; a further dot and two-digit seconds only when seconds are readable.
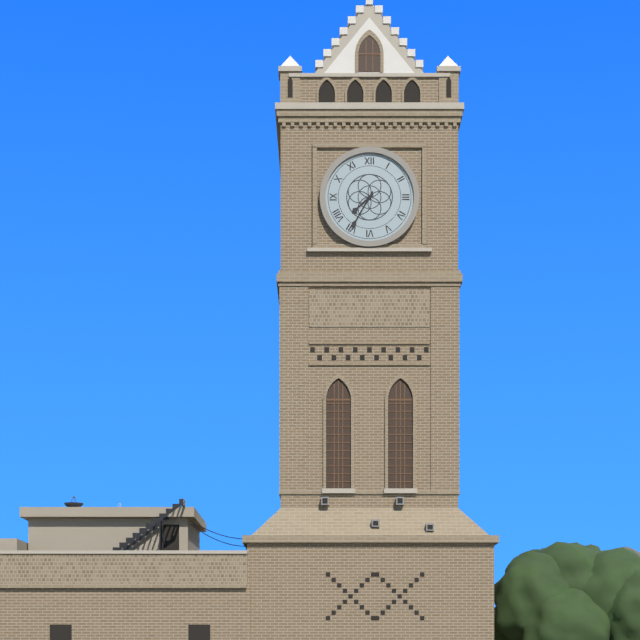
7.35
